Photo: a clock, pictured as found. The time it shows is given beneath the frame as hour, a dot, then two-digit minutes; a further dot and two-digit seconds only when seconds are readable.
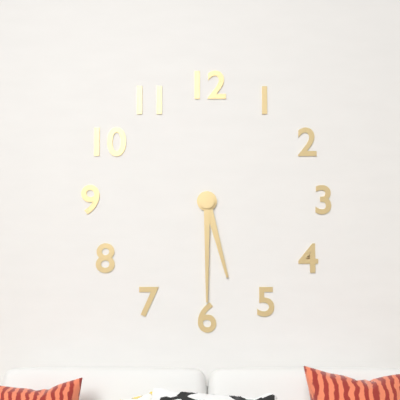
5.30
